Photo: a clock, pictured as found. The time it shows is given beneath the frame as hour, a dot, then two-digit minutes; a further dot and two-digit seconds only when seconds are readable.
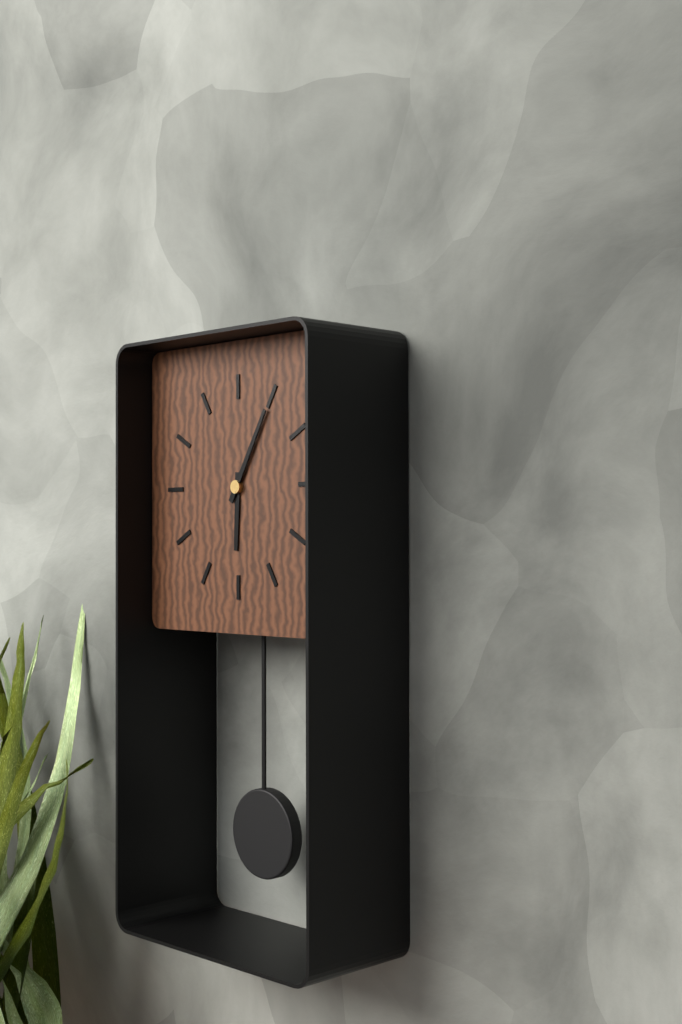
6.05
